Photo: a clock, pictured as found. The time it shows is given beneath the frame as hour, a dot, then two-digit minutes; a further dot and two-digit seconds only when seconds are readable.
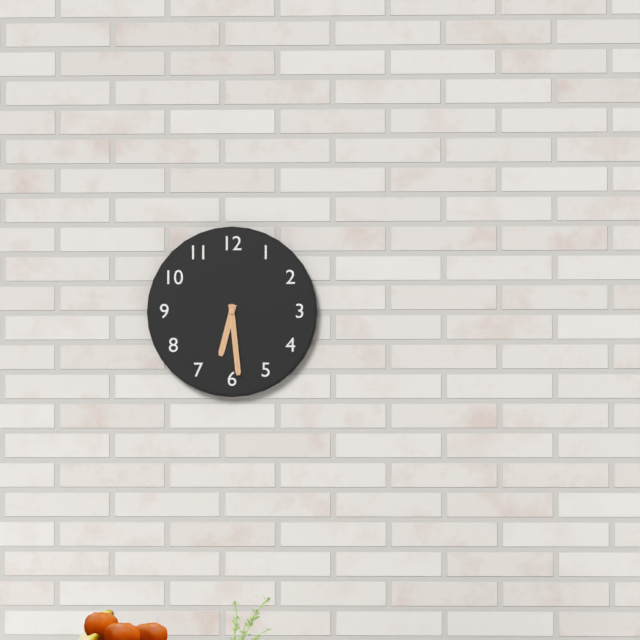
6.29
